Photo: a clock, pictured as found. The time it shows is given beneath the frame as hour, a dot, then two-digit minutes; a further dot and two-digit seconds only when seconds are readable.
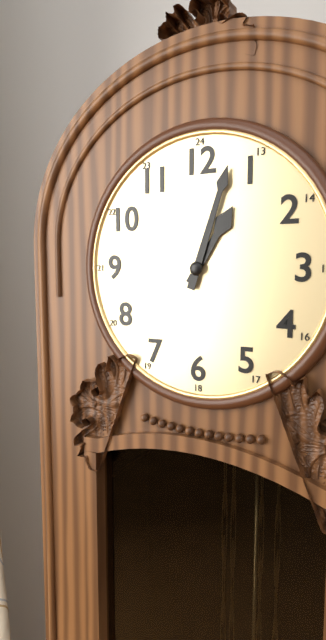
1.03
